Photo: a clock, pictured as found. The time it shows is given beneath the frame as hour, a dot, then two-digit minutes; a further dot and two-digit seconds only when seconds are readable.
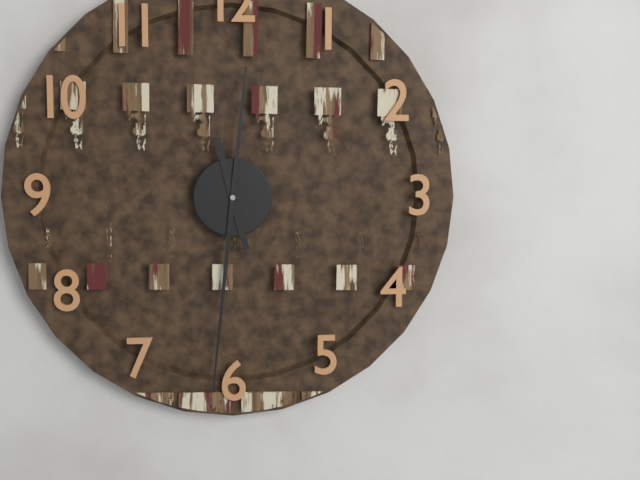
11.31
